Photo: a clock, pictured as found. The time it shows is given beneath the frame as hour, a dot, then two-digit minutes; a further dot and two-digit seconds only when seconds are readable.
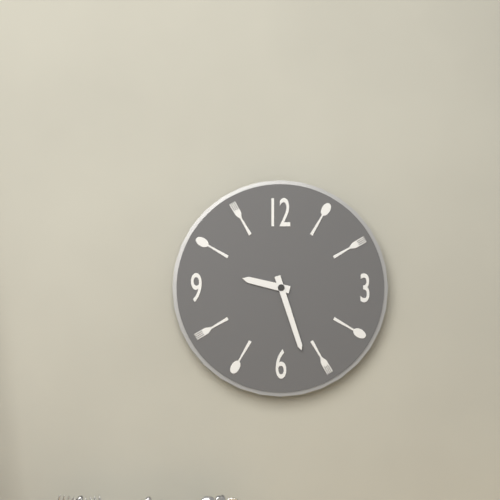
9.27
